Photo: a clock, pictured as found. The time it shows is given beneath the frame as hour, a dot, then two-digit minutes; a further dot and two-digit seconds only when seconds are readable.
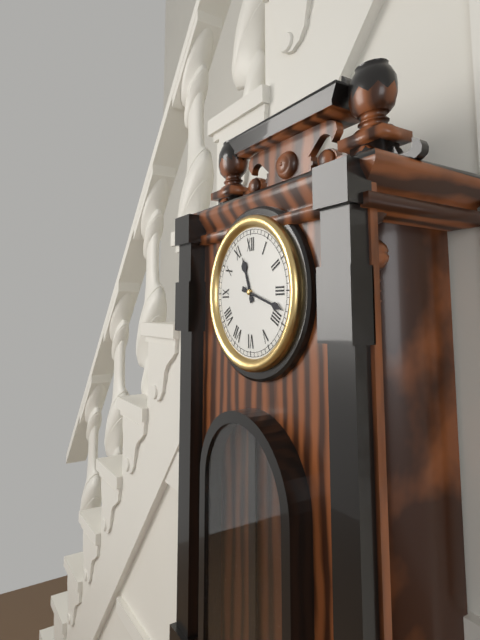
11.18
